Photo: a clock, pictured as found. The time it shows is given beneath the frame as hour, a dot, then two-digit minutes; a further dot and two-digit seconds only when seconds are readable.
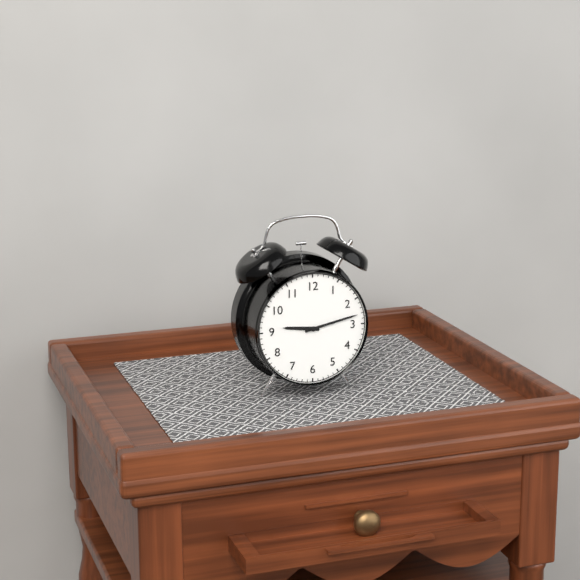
9.13
